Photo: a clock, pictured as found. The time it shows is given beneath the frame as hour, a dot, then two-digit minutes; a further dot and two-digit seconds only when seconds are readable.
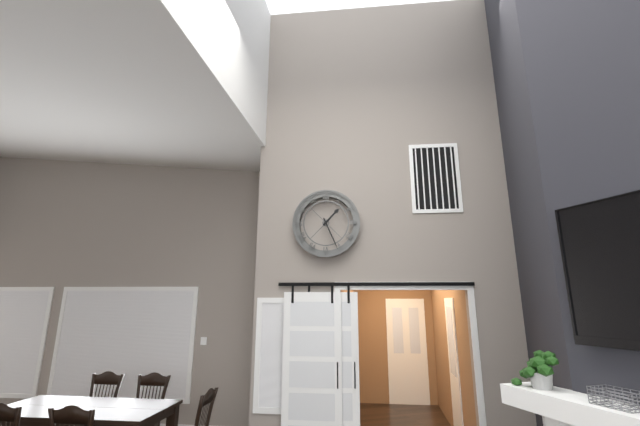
1.26
